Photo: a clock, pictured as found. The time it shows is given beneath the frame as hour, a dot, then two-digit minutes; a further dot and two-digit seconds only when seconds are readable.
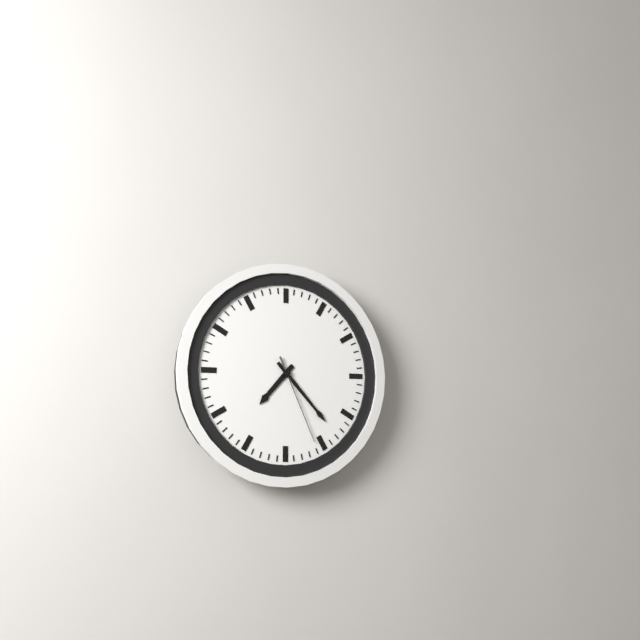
7.23.26
